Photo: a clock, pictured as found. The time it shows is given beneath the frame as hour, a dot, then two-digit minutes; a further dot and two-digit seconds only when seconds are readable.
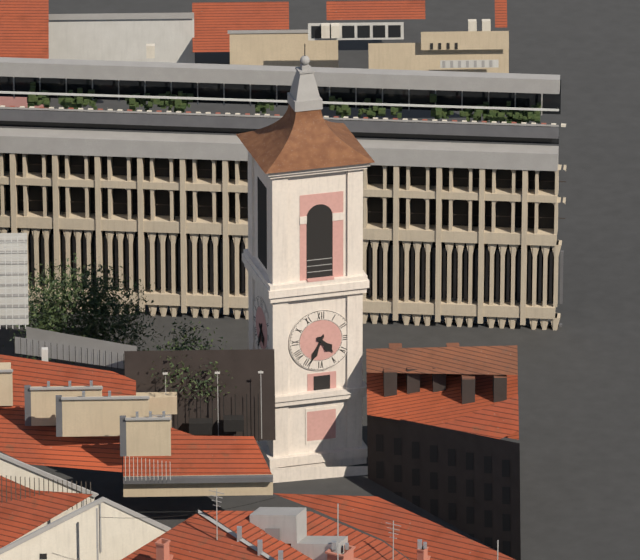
4.34
